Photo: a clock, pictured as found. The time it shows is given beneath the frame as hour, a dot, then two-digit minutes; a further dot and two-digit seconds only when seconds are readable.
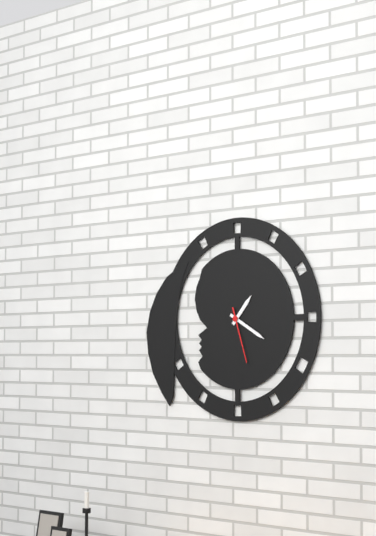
1.20.27
